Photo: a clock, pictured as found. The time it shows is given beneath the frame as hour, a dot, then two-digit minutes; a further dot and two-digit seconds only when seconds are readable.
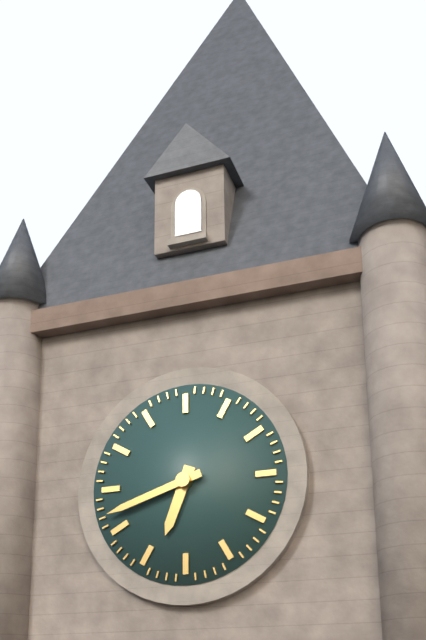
6.42
